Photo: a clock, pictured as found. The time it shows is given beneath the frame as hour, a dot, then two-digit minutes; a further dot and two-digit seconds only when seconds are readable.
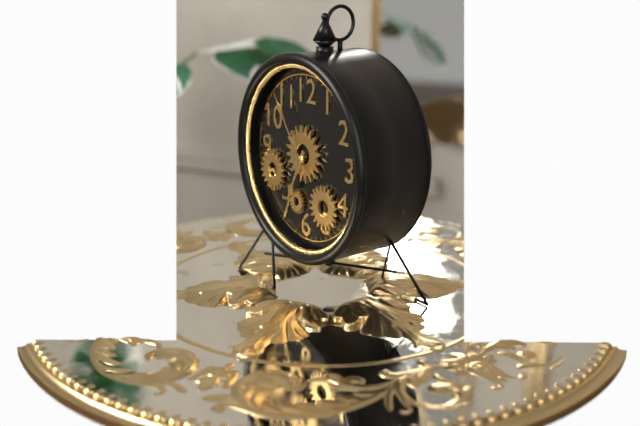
6.54
